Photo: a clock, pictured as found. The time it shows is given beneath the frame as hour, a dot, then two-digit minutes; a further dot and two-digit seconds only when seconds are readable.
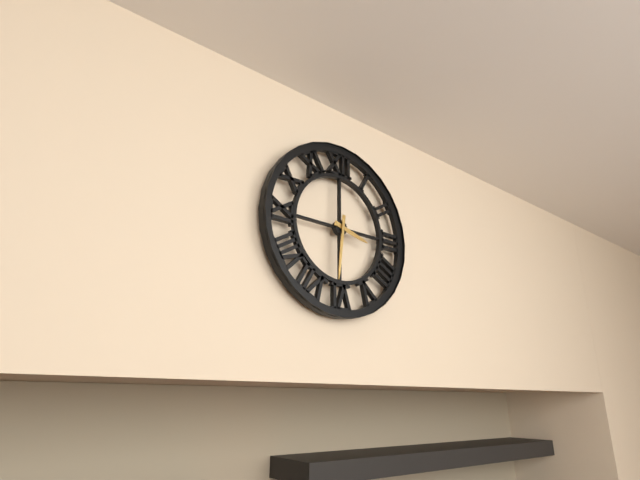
3.31
